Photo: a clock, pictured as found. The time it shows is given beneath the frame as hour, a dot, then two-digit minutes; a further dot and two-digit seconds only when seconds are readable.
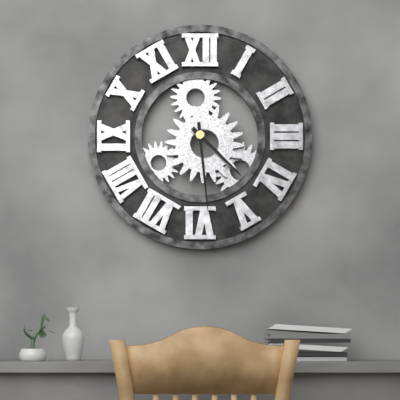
4.29
